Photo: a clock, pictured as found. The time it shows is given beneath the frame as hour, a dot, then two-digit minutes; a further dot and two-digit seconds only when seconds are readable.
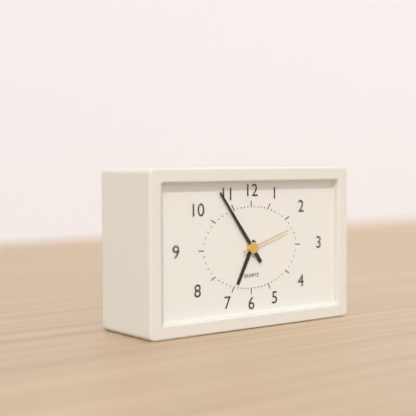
6.54
